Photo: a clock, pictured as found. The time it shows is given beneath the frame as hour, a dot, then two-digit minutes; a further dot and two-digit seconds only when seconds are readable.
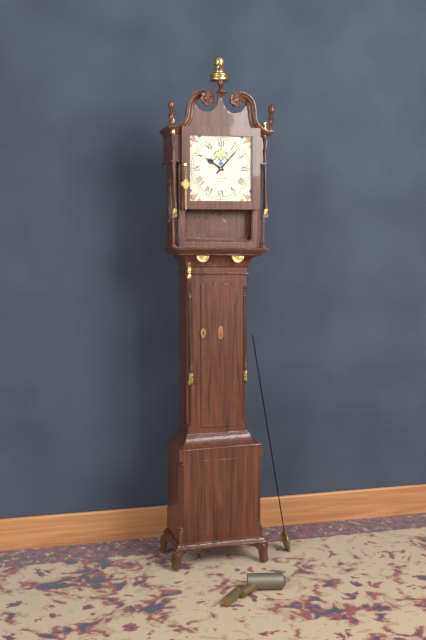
10.07
